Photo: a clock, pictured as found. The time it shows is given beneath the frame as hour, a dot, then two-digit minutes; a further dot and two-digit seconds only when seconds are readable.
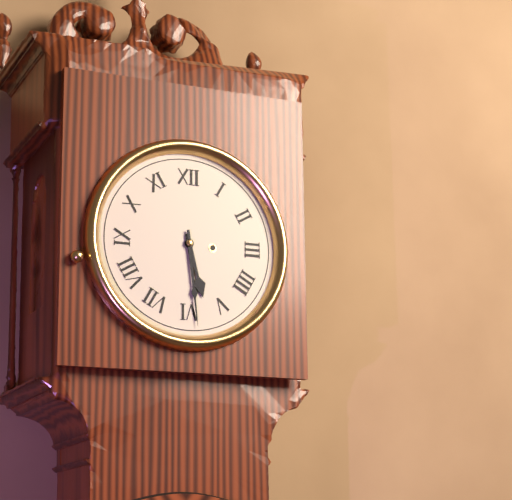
5.29
